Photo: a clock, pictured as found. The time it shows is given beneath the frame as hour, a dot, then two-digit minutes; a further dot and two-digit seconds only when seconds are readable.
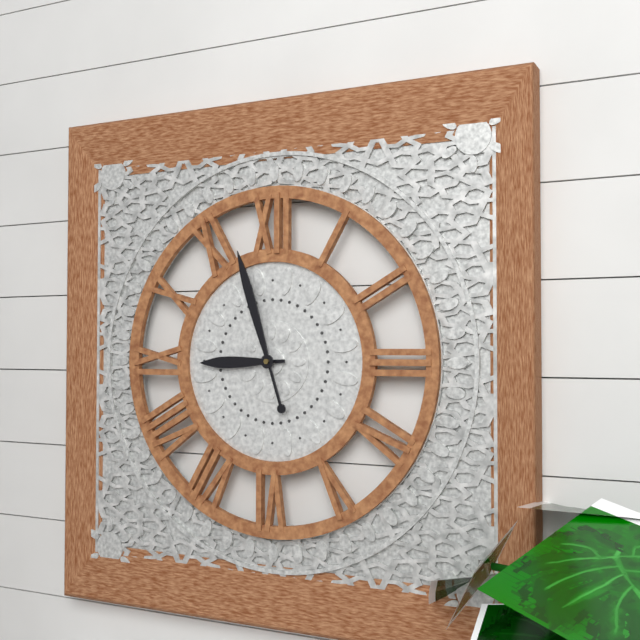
8.57
